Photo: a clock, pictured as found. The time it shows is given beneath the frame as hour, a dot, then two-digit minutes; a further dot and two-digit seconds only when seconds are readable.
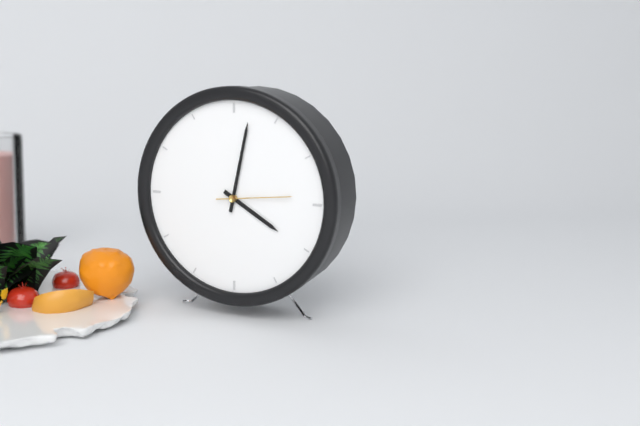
4.02.14
